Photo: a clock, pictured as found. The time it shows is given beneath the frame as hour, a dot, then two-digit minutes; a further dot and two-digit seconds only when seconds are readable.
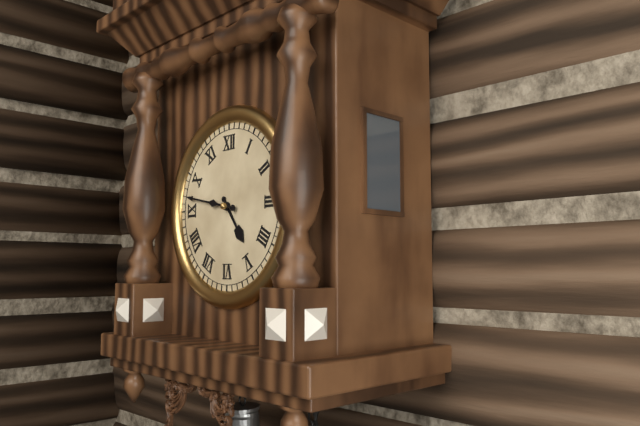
4.47
